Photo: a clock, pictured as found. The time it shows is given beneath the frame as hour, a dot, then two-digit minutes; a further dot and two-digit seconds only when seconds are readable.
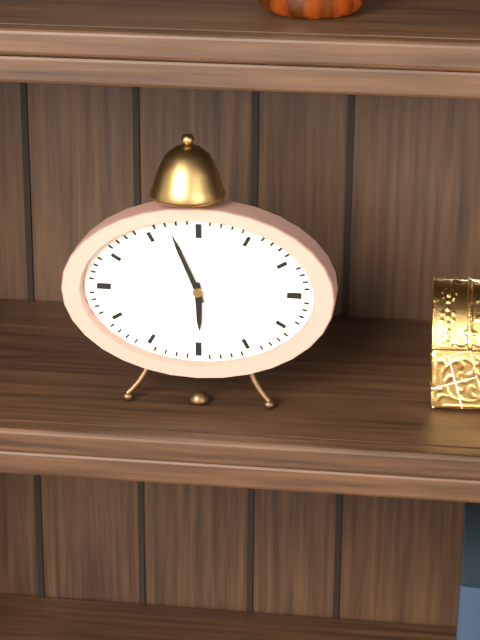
5.56
